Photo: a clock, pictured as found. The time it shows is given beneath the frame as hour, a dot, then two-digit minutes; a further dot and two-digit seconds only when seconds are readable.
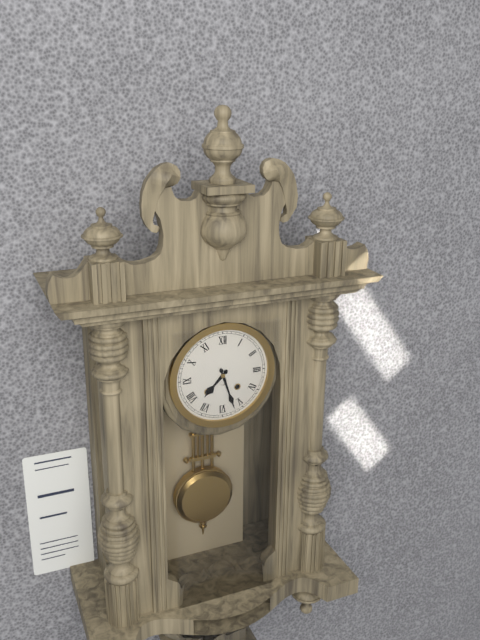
7.27
